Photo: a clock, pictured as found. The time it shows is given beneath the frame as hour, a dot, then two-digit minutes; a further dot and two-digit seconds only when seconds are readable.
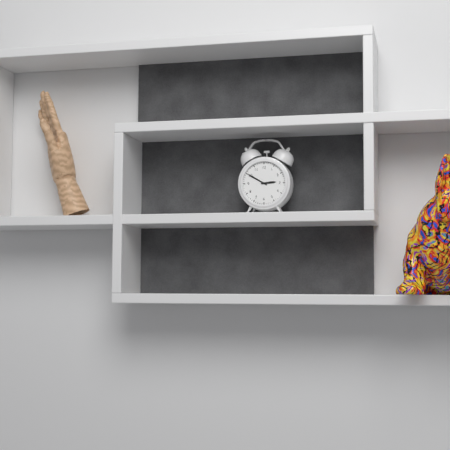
2.50
